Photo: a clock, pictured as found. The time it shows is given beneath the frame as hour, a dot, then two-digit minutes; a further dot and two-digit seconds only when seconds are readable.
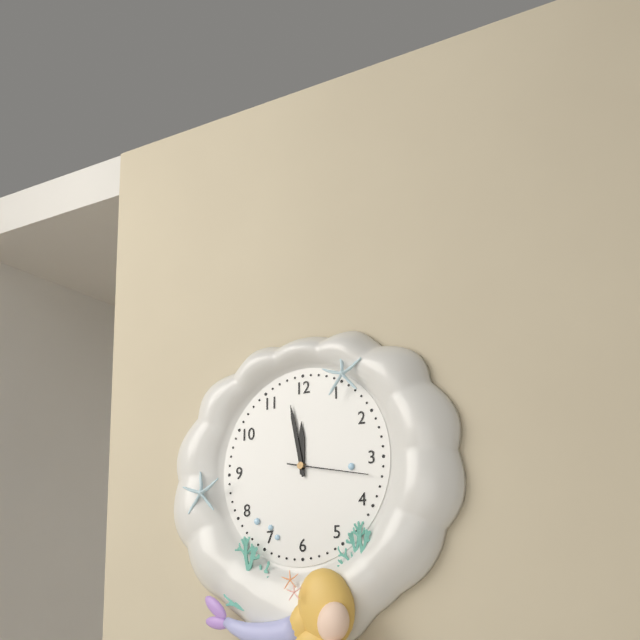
11.58.17
